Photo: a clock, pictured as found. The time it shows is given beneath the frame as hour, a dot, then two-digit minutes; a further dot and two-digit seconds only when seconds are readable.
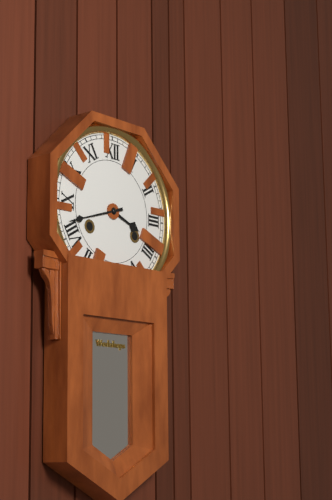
3.42
